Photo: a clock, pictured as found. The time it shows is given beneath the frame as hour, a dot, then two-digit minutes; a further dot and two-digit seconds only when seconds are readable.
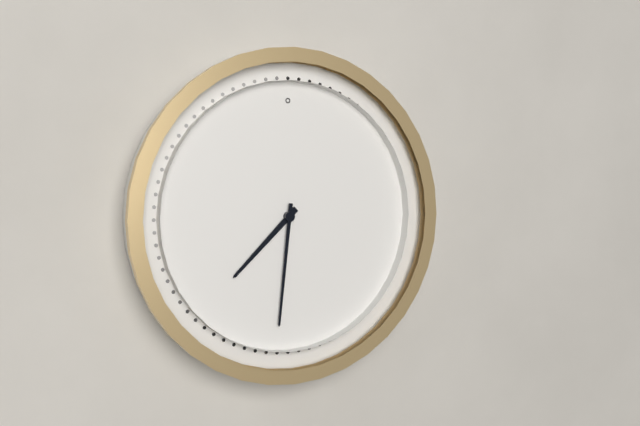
7.31
